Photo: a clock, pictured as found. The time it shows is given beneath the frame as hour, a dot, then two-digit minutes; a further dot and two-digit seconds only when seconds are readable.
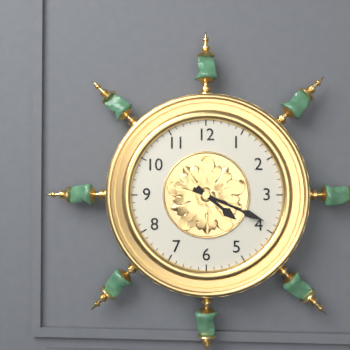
4.19
